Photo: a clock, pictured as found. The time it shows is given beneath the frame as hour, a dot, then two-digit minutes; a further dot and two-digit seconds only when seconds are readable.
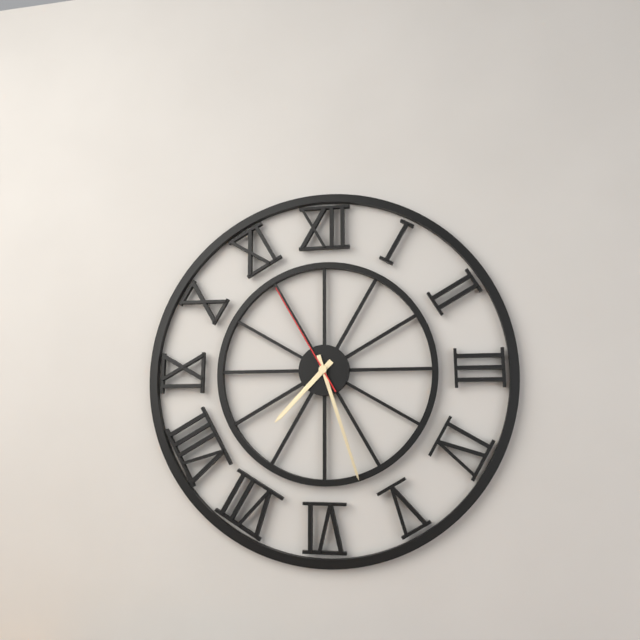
7.27.55
